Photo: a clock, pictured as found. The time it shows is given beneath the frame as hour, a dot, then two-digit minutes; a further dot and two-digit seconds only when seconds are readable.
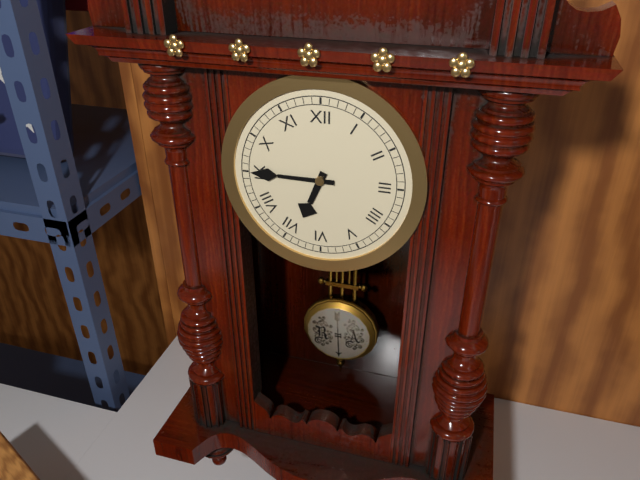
6.45
